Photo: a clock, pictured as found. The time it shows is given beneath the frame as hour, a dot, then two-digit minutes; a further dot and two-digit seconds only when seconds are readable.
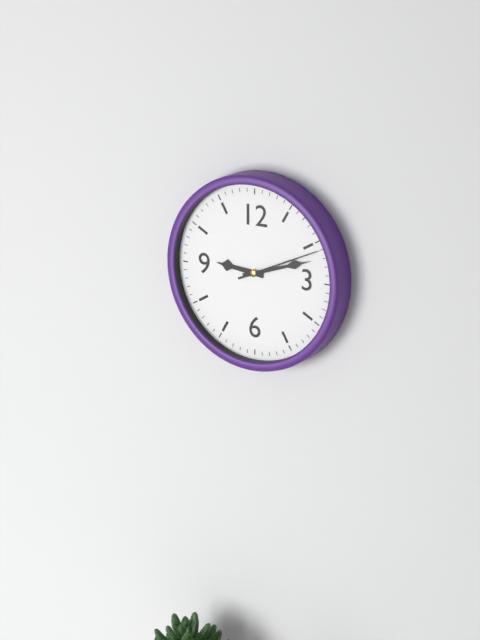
9.12.11
